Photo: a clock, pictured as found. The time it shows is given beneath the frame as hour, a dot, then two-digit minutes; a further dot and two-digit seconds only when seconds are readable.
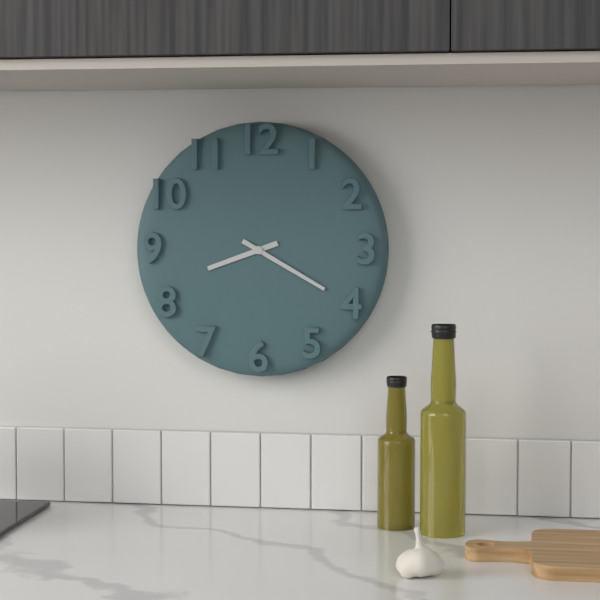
8.20
